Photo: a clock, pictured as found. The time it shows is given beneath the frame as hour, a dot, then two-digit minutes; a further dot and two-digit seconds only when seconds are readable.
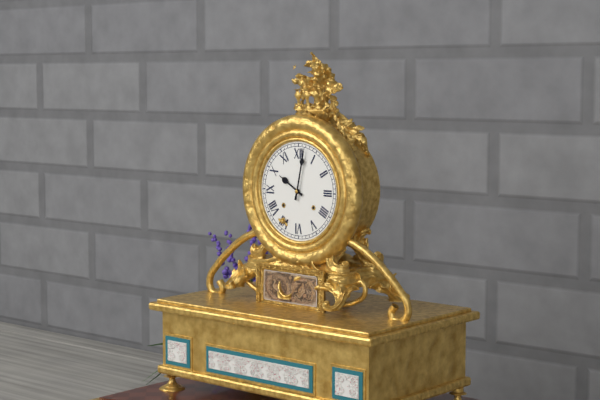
10.02
